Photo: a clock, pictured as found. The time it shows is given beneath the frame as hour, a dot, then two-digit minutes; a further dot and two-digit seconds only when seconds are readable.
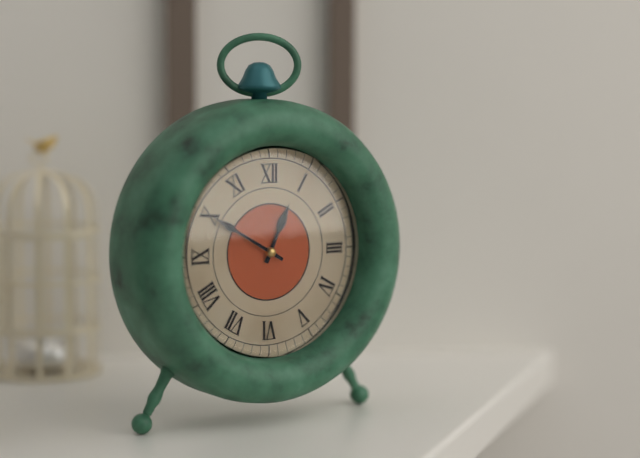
12.50
